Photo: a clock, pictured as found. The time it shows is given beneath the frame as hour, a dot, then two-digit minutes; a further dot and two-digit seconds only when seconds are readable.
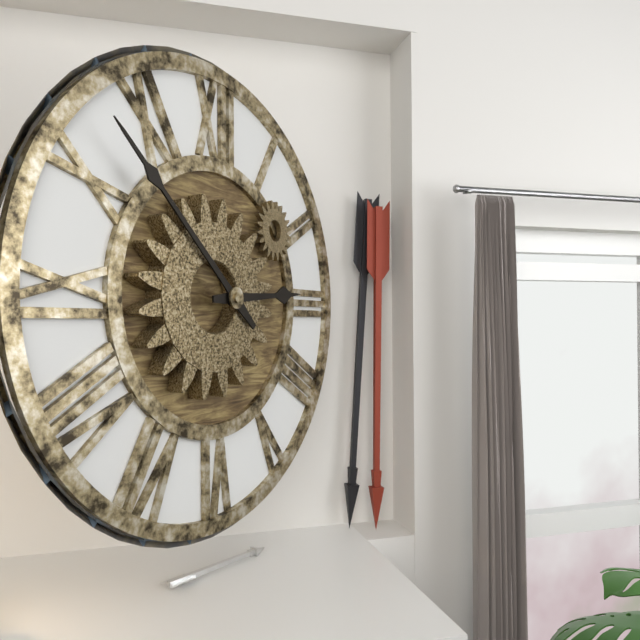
2.52
